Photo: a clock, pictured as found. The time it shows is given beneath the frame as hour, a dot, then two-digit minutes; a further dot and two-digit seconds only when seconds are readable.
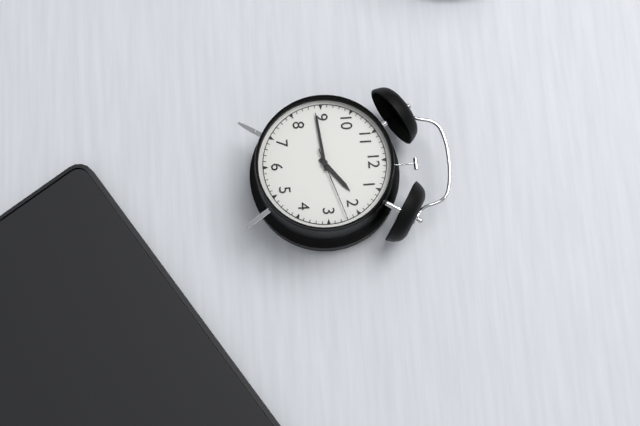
1.44.12
